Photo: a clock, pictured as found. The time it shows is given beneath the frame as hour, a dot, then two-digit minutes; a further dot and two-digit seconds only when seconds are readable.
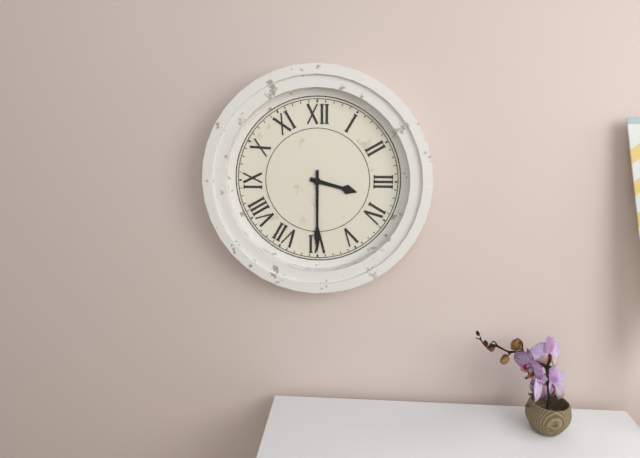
3.30
